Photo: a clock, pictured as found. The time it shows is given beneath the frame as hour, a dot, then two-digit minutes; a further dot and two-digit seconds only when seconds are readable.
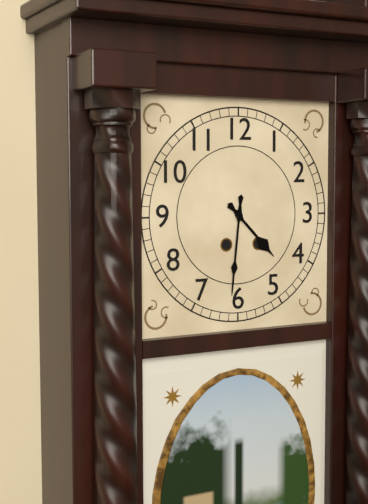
4.31
